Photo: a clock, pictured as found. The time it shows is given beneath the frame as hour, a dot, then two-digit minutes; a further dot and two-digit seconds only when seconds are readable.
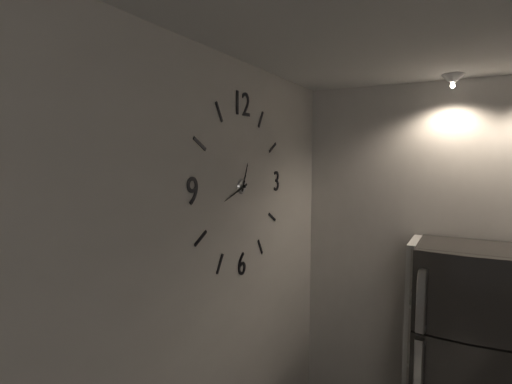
12.42
